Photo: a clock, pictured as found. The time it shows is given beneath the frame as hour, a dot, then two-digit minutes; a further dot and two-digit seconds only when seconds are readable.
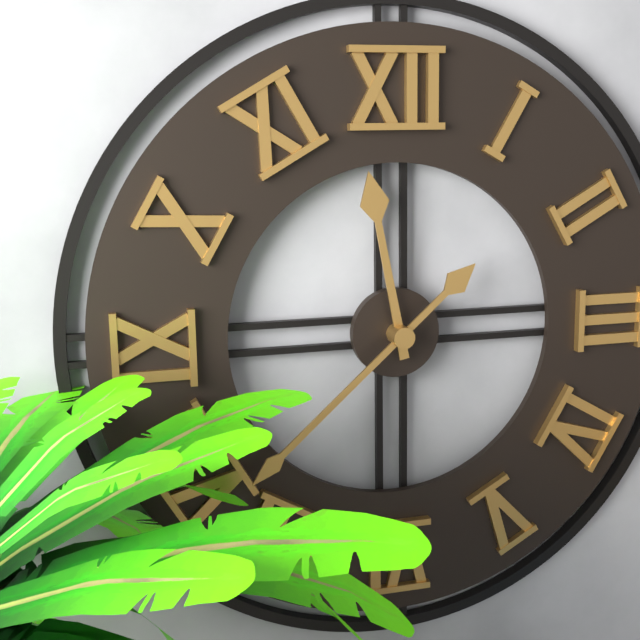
11.38
